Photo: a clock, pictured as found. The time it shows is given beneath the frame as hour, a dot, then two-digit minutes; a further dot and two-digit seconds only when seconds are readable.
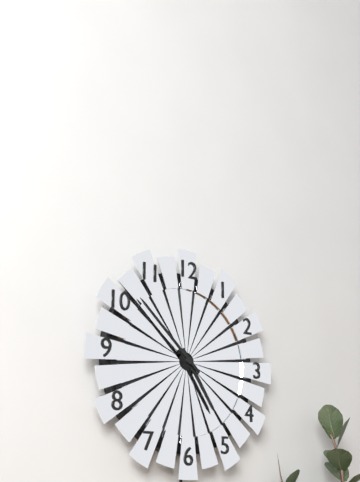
4.52
